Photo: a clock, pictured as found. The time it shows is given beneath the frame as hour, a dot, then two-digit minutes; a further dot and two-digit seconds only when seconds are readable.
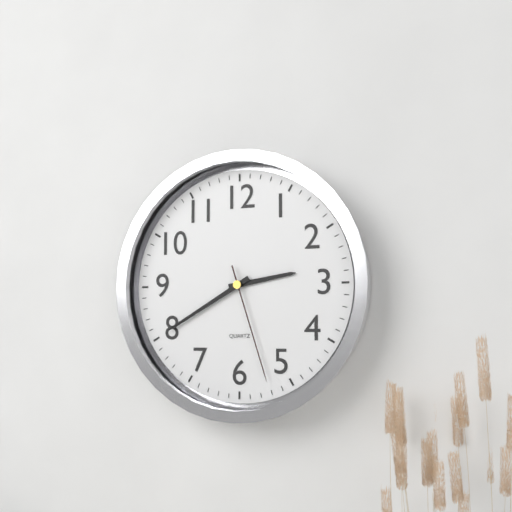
2.40.27
